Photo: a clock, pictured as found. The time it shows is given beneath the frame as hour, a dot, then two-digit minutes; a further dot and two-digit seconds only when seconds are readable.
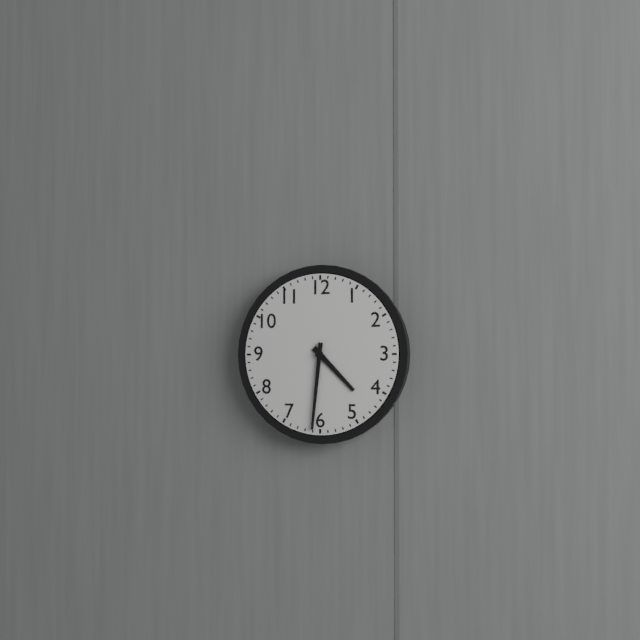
4.31
